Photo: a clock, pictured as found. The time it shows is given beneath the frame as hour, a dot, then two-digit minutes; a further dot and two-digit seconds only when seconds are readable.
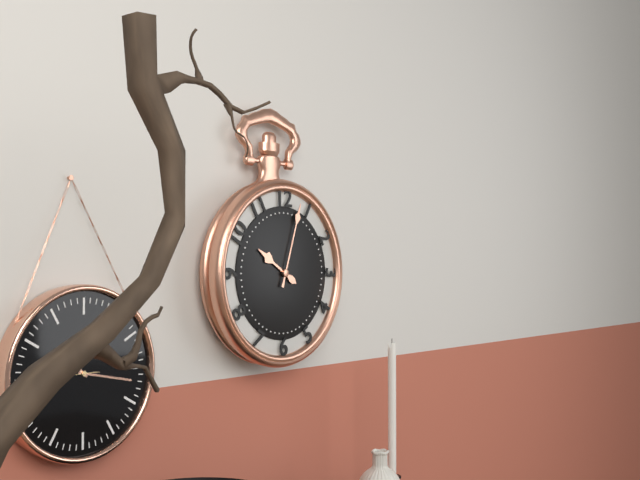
10.03
